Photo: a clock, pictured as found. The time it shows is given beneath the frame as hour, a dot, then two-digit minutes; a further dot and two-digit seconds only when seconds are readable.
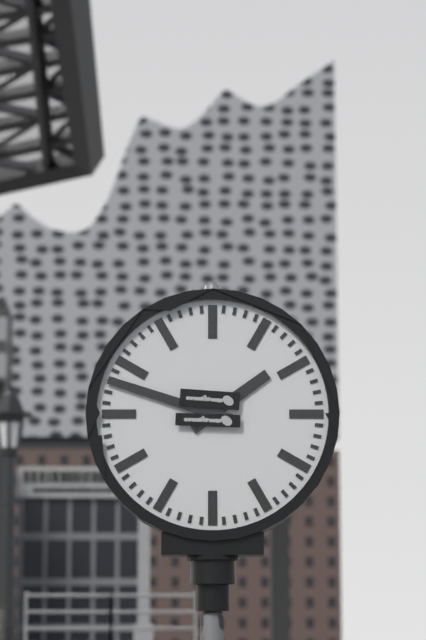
1.48
